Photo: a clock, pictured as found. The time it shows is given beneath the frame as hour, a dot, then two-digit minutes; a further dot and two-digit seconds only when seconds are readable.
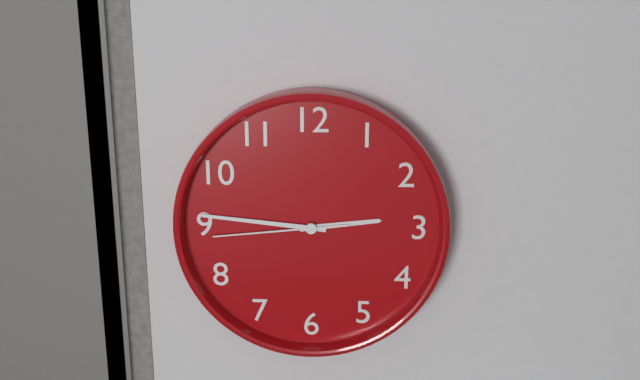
2.46.44
